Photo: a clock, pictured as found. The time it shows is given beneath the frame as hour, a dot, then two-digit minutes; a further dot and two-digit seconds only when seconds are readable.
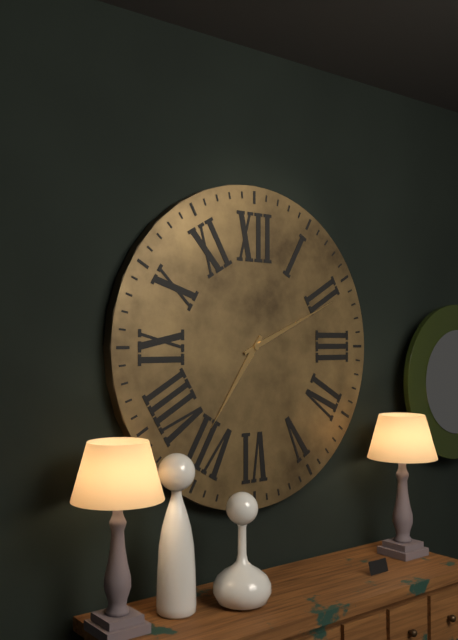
7.11
